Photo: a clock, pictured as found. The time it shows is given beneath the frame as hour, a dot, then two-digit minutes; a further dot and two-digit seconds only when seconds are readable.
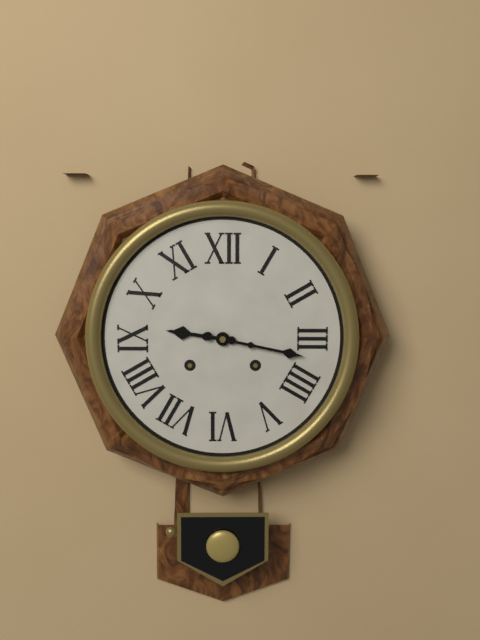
9.17
